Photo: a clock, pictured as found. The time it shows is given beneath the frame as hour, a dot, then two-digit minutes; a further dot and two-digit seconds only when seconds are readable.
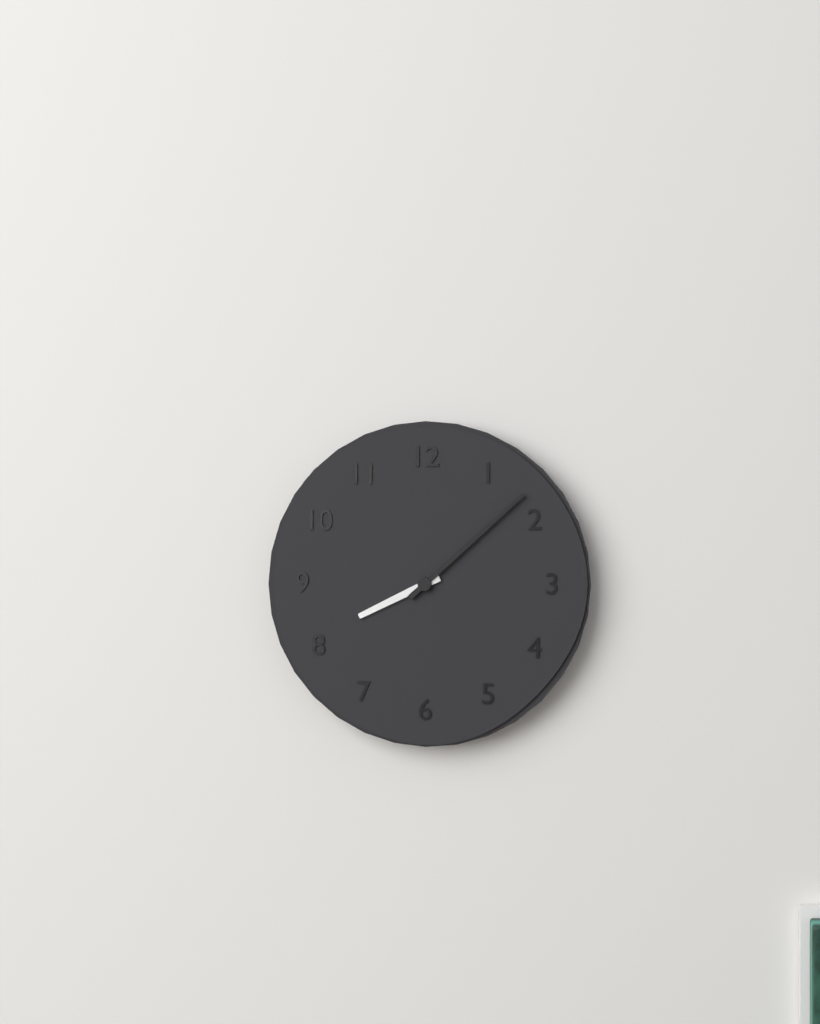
8.08
